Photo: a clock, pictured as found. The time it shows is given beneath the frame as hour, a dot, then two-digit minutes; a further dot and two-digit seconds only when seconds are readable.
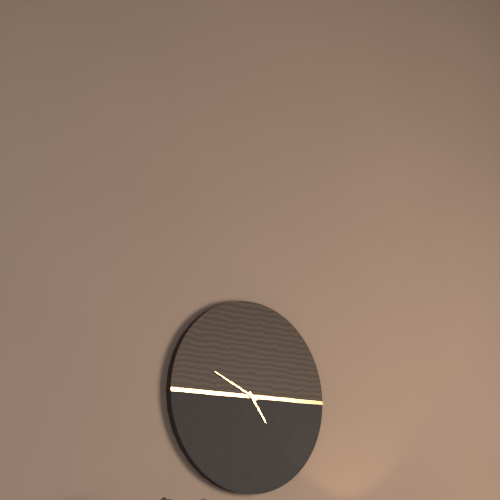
4.49
